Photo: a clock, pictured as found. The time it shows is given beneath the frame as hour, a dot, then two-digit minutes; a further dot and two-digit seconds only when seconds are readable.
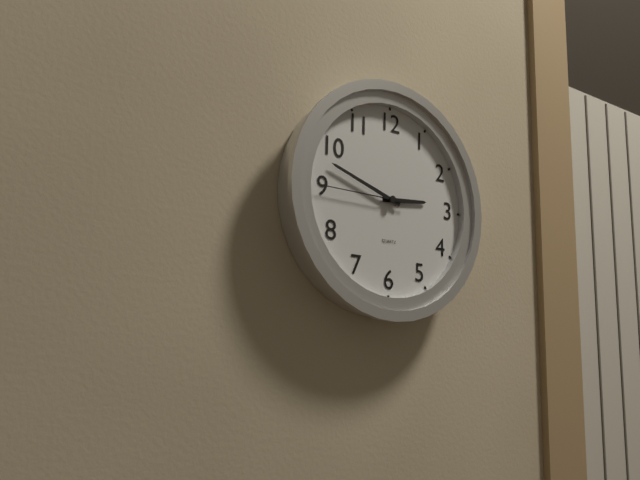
2.48.45
